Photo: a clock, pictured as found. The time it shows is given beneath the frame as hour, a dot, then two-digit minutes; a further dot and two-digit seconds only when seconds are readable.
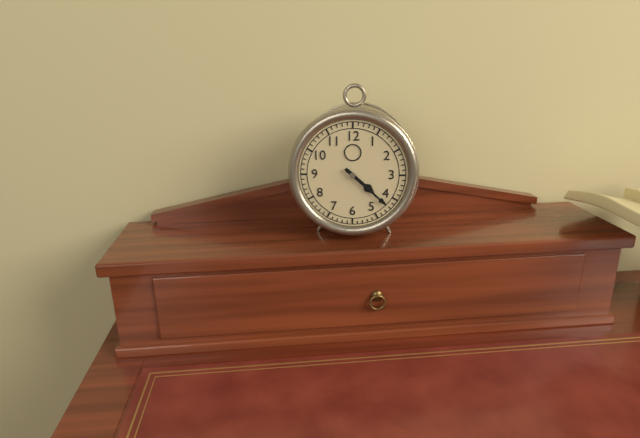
4.22
